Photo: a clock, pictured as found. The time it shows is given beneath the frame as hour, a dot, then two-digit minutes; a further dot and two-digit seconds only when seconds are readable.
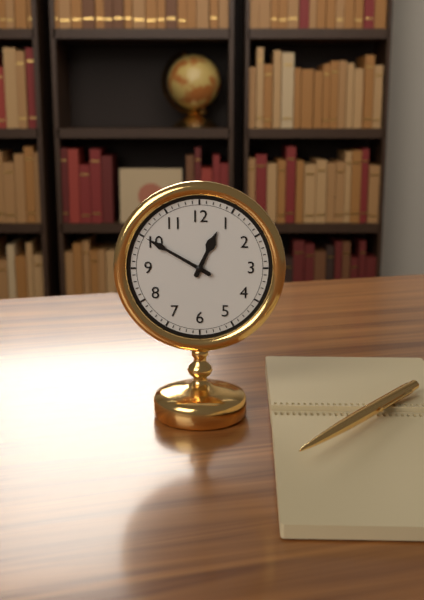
12.50
